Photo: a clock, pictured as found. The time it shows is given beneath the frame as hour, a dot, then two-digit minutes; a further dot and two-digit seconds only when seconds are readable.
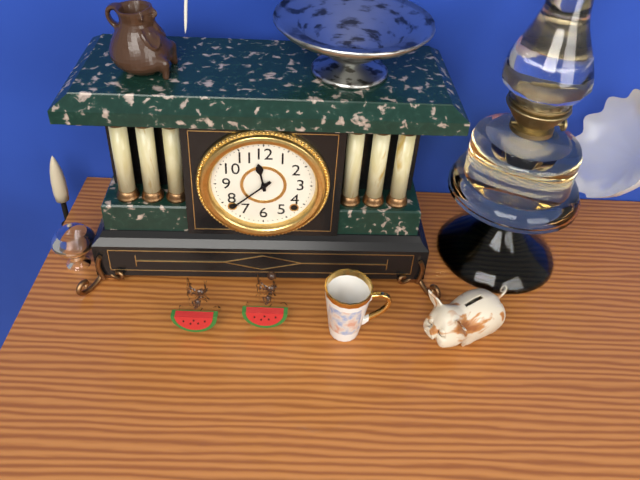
11.38
